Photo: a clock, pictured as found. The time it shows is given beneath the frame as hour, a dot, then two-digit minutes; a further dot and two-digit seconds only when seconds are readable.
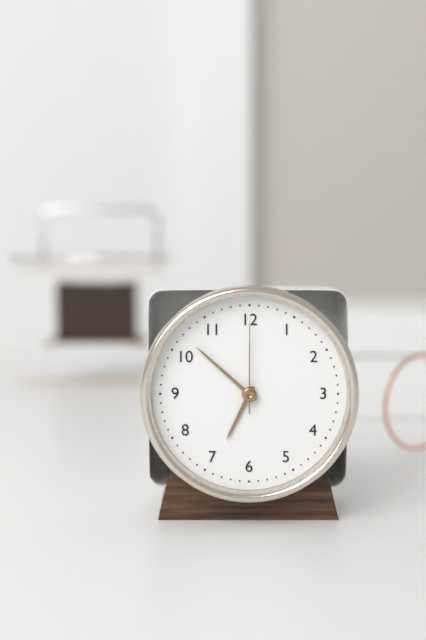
6.52.00
